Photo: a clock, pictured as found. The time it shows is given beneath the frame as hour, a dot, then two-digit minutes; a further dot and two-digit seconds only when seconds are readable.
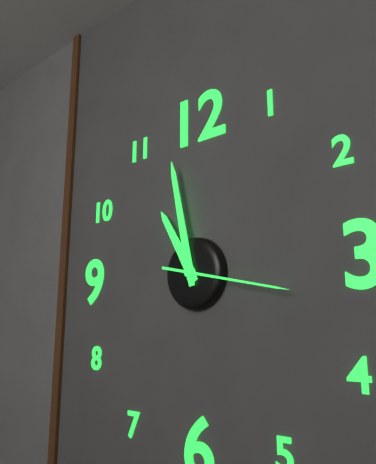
10.58.17
